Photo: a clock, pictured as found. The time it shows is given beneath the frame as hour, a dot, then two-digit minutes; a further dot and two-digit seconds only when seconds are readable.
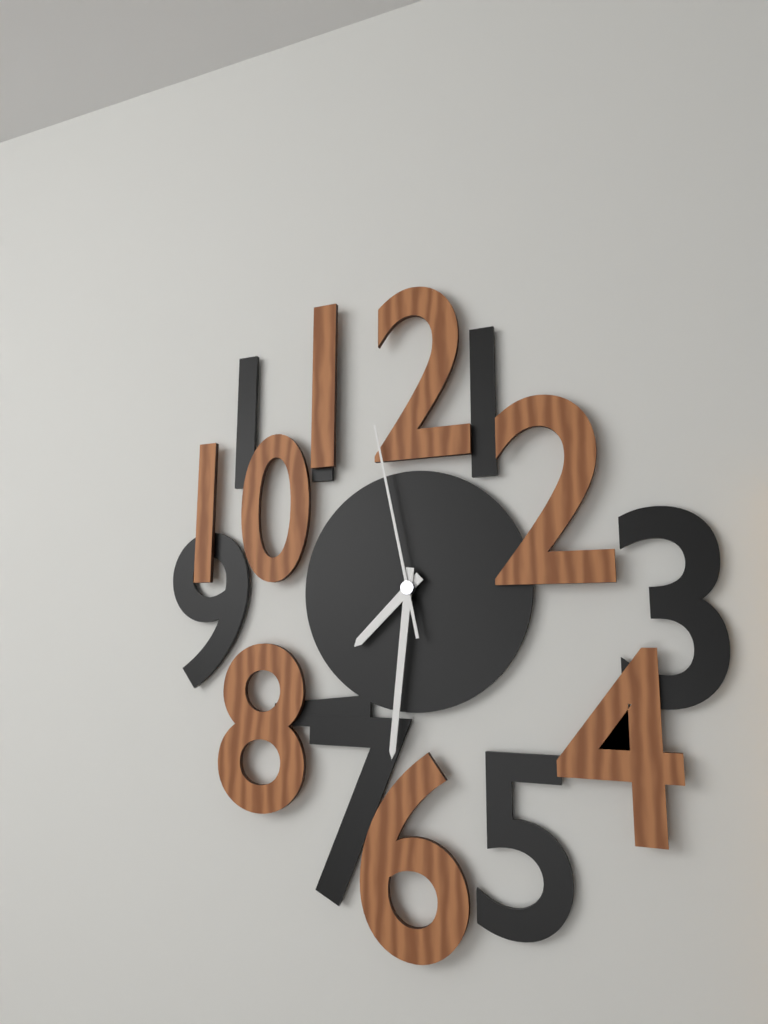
7.31.58
